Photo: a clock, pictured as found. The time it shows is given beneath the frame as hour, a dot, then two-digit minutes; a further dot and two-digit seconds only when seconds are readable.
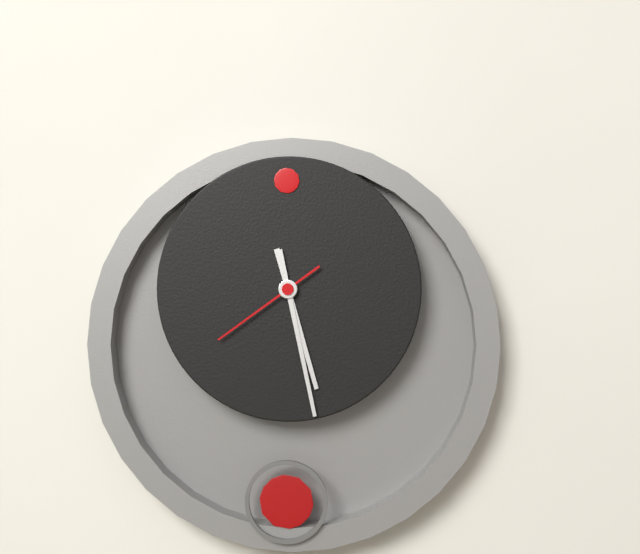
5.28.39
